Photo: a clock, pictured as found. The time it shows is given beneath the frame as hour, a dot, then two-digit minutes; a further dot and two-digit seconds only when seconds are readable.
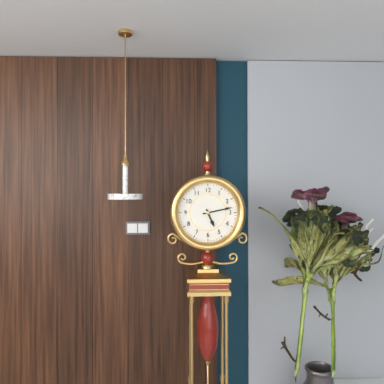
5.13
